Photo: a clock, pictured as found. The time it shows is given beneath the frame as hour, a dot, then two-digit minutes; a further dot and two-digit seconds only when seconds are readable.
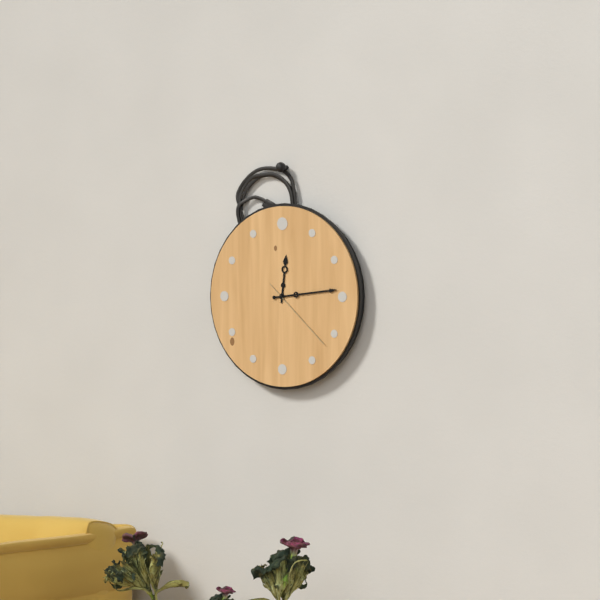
12.14.22
